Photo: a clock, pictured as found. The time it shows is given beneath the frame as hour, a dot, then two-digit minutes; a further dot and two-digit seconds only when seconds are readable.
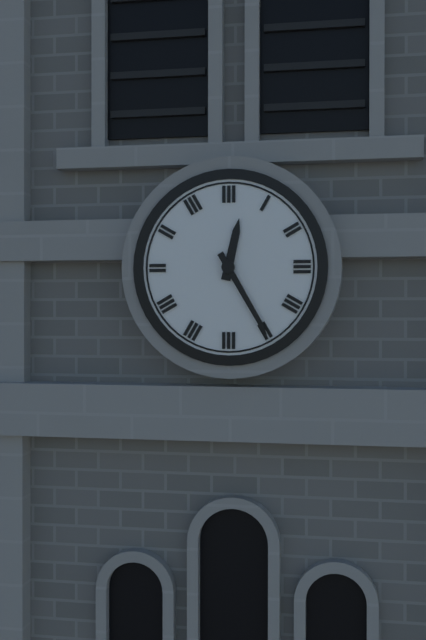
12.25
